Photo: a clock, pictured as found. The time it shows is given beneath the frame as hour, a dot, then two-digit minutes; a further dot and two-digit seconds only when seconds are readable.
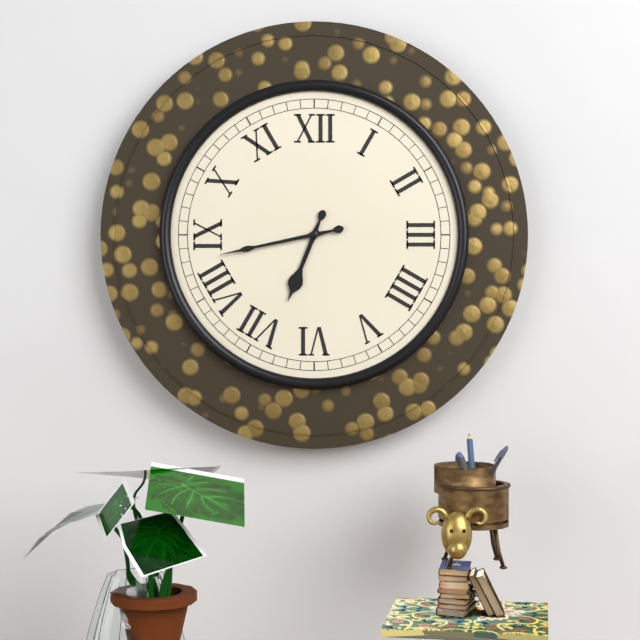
6.43
